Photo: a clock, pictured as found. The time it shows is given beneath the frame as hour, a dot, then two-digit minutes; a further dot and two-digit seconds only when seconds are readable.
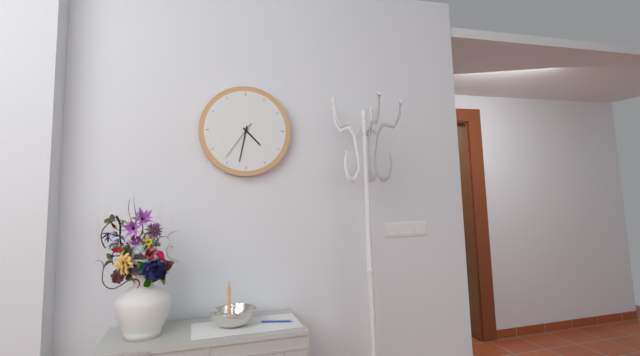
4.32
